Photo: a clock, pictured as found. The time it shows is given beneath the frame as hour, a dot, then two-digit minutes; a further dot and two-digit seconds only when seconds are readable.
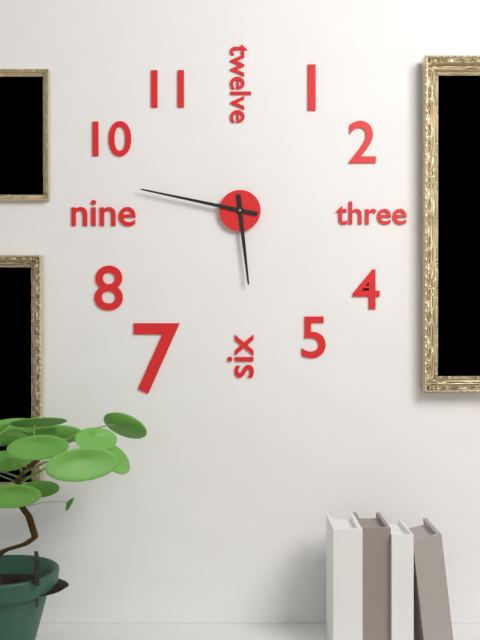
5.47
